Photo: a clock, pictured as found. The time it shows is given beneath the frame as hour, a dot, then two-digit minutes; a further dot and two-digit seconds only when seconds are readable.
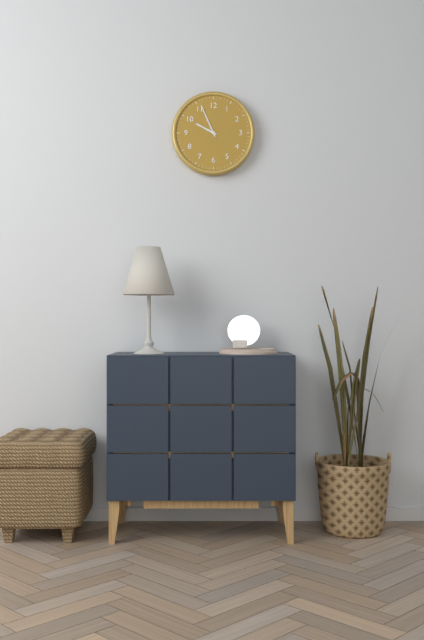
9.56
